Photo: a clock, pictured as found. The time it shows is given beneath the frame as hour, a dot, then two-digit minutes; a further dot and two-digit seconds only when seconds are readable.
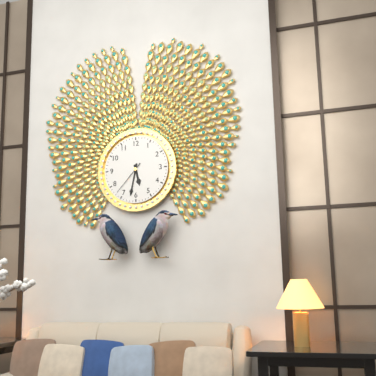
5.32
